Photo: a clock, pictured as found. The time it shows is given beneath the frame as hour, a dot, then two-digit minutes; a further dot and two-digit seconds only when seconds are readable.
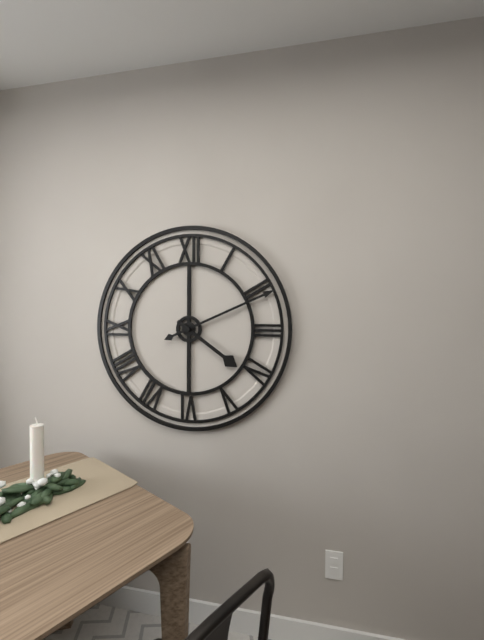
4.11
